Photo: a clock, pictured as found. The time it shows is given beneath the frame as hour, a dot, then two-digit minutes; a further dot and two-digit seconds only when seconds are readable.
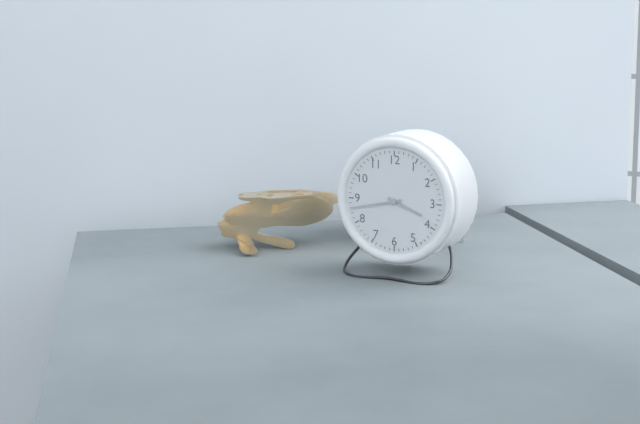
3.43
